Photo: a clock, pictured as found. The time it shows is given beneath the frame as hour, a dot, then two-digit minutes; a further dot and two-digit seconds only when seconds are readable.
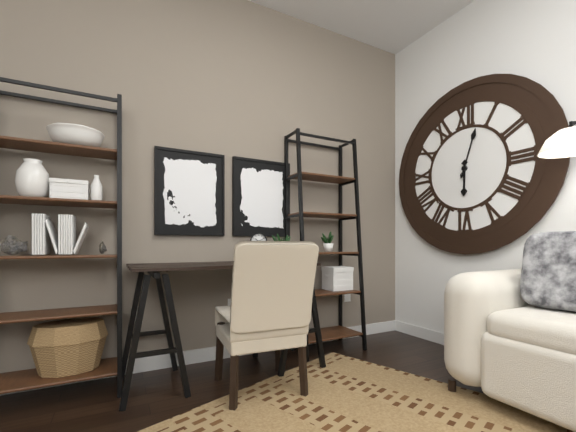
6.03
